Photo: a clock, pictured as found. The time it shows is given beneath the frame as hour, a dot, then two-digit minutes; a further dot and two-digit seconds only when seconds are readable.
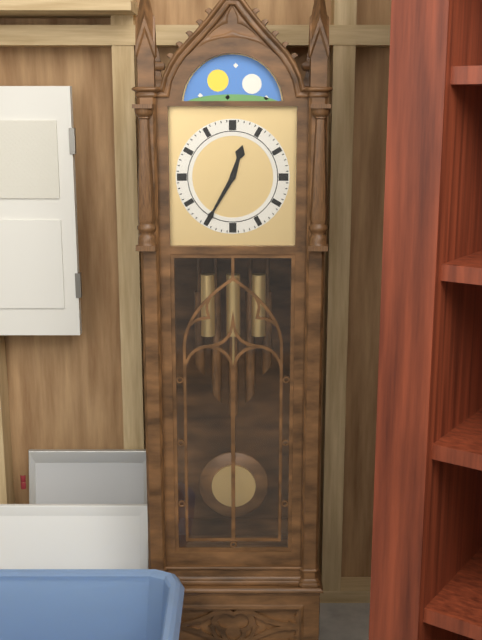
12.35
